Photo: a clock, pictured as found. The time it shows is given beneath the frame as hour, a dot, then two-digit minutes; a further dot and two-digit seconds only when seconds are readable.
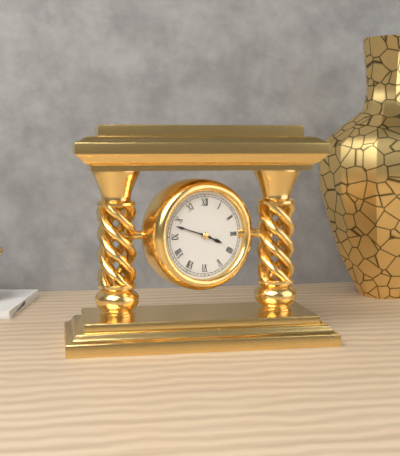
3.48
